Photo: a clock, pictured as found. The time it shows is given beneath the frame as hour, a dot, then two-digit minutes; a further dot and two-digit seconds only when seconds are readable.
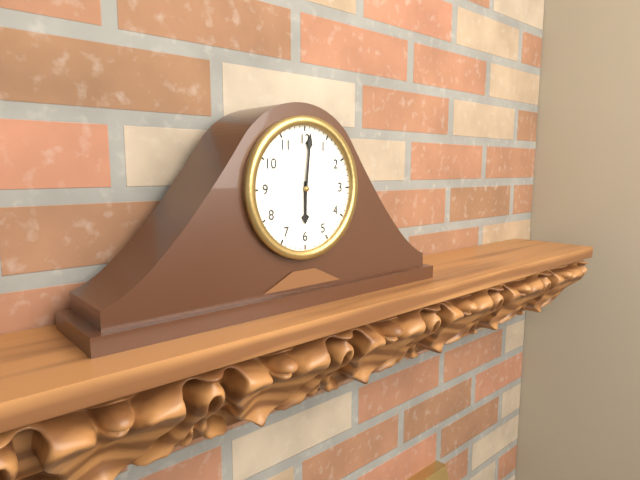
6.01
